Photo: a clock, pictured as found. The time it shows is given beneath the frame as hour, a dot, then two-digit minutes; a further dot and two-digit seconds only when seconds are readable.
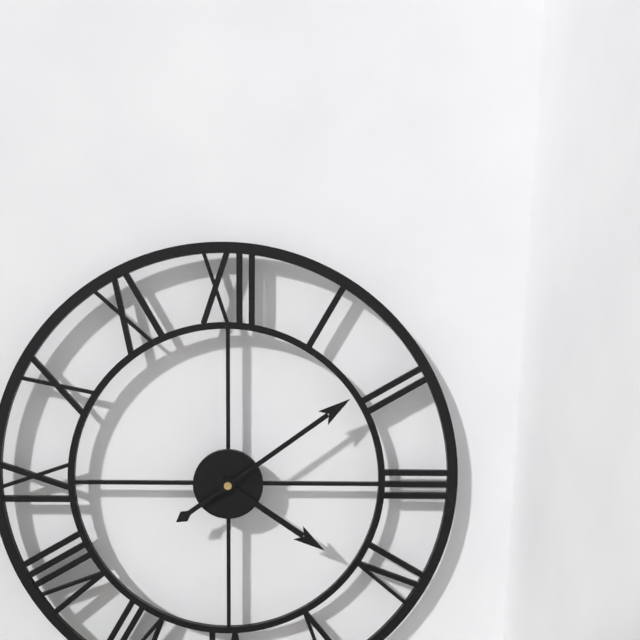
4.09
